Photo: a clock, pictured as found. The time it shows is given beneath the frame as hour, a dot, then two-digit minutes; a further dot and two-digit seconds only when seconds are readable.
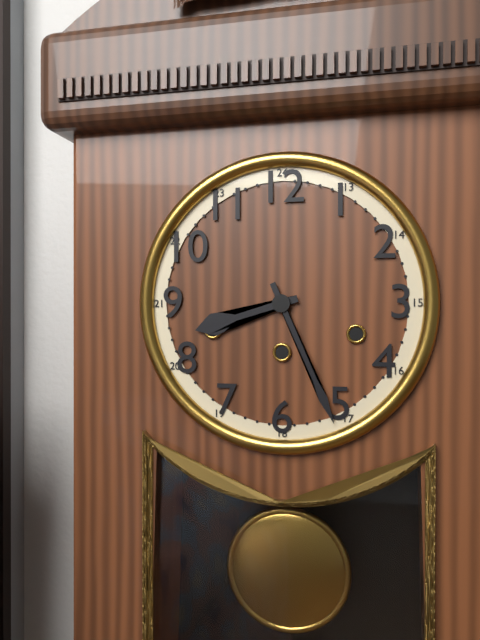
8.26
